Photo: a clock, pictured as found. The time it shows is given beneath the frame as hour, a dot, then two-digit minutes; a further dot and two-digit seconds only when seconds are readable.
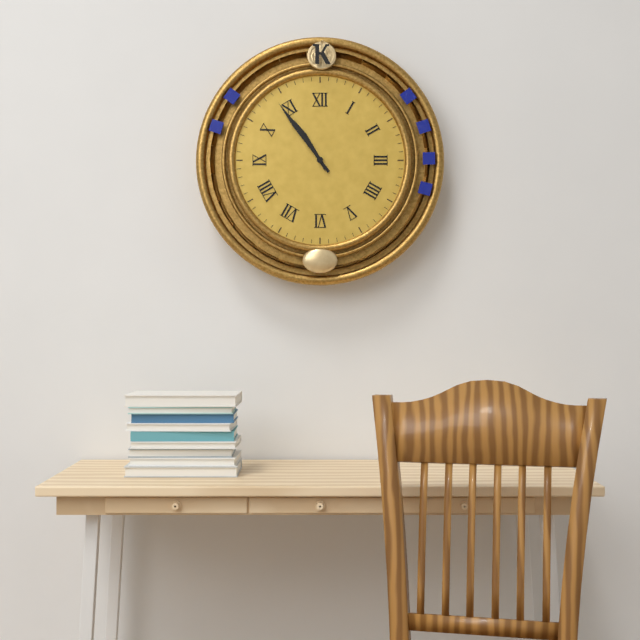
10.54
